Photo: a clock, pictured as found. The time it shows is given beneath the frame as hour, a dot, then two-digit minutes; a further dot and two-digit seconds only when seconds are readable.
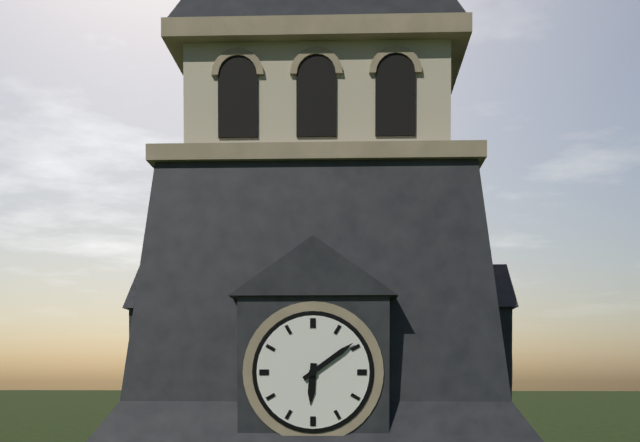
6.09
